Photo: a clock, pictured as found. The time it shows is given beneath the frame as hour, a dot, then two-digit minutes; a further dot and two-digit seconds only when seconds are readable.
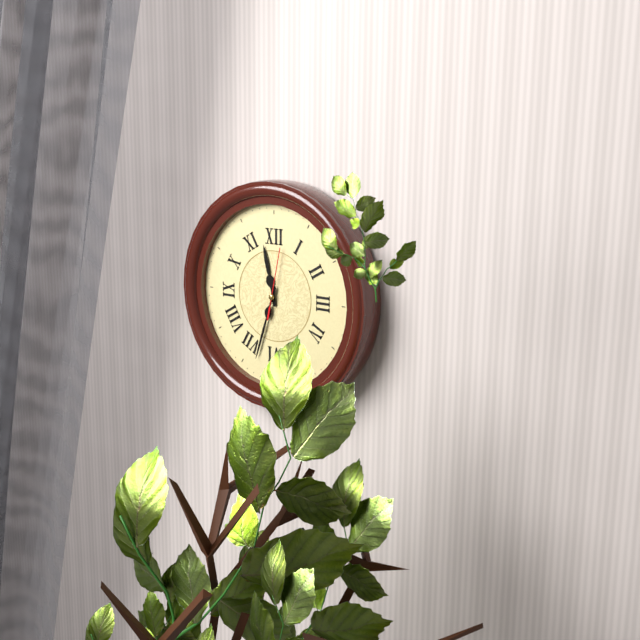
11.33.02
